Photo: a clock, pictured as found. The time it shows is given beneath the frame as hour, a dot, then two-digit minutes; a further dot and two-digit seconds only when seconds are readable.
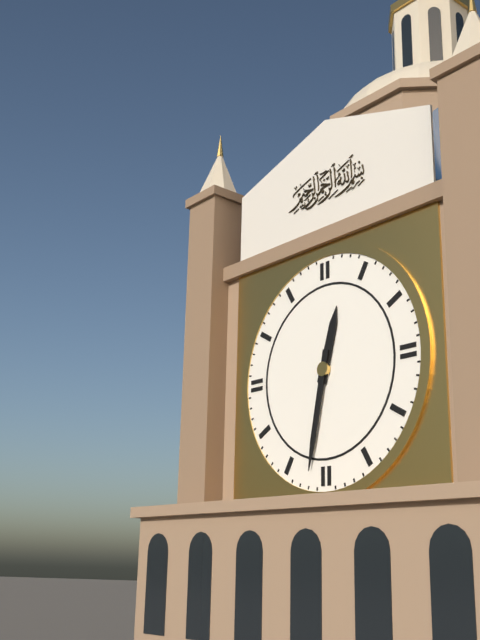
12.32
